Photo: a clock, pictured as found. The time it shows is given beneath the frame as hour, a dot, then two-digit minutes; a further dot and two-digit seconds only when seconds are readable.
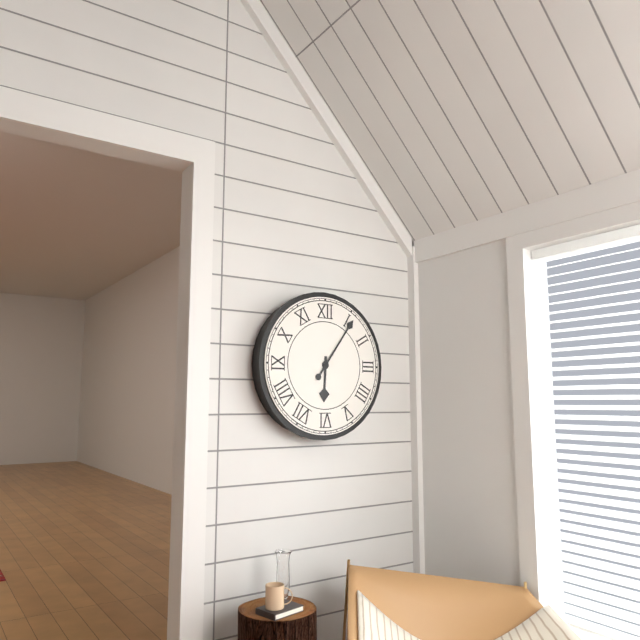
6.06
